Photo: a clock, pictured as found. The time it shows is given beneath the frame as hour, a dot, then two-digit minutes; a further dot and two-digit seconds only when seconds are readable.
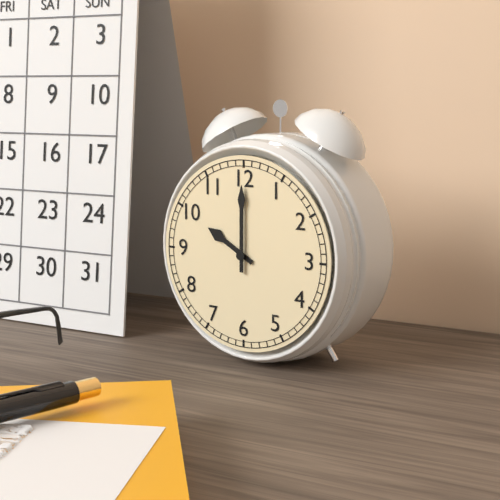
10.00
